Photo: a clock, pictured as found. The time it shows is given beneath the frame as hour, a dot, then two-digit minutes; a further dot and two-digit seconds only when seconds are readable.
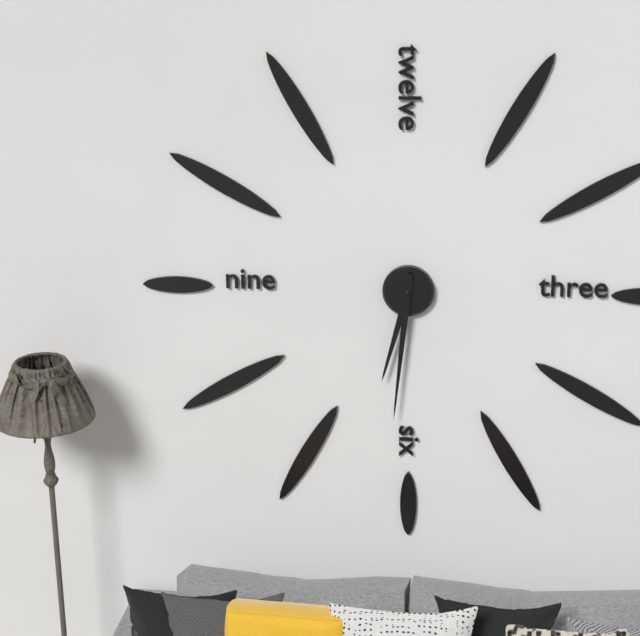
6.31
